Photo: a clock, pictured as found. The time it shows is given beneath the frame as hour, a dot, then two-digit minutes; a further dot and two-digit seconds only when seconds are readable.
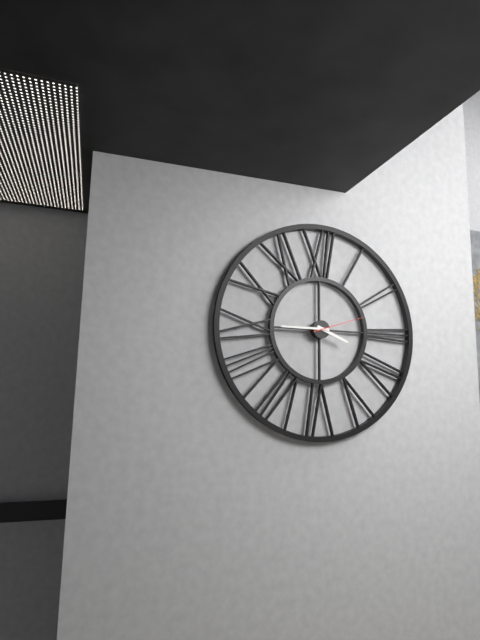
3.45.12
